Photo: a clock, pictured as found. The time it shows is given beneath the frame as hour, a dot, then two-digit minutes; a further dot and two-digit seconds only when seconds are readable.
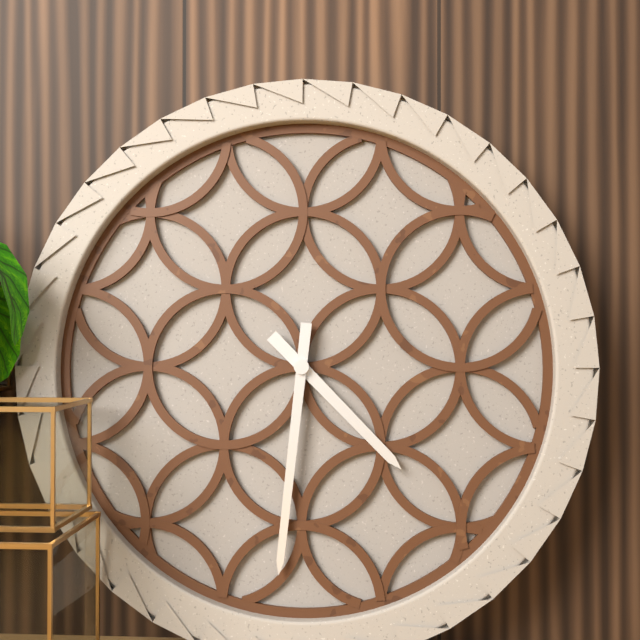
4.31
